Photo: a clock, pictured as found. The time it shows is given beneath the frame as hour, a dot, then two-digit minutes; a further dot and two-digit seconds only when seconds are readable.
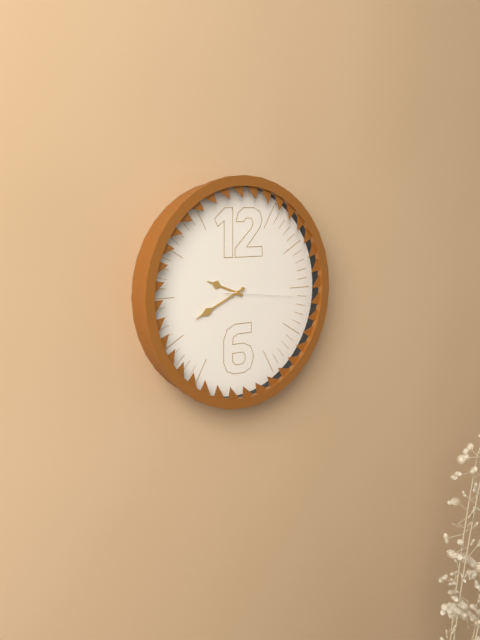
9.41.16
